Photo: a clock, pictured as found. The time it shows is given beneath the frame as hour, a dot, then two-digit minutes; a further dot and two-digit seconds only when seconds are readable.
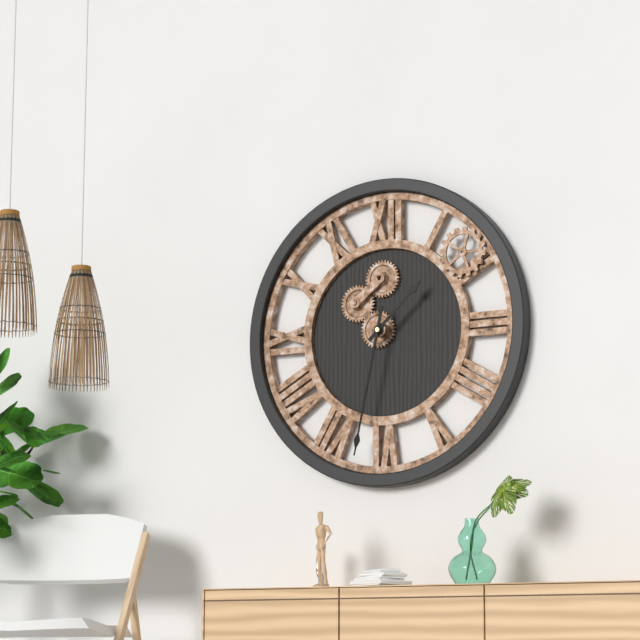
1.32
